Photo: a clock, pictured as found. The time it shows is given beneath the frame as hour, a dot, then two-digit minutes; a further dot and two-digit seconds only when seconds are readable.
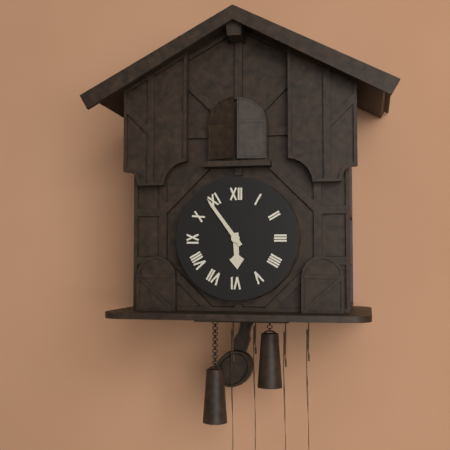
5.54
